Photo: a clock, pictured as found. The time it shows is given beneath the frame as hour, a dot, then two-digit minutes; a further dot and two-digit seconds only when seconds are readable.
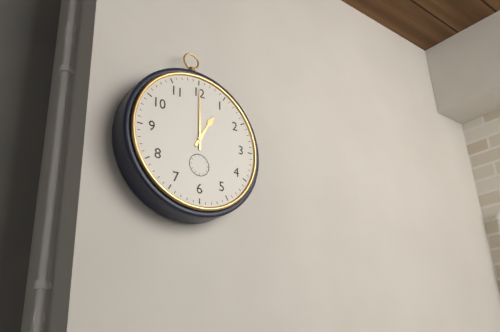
1.00
